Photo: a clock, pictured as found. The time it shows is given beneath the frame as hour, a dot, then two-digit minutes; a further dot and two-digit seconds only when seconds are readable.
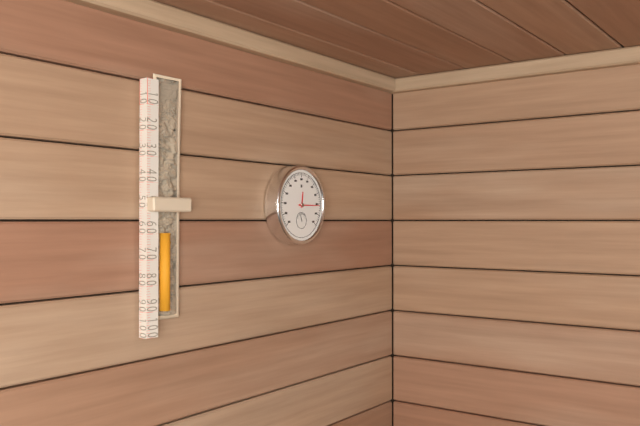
12.15
